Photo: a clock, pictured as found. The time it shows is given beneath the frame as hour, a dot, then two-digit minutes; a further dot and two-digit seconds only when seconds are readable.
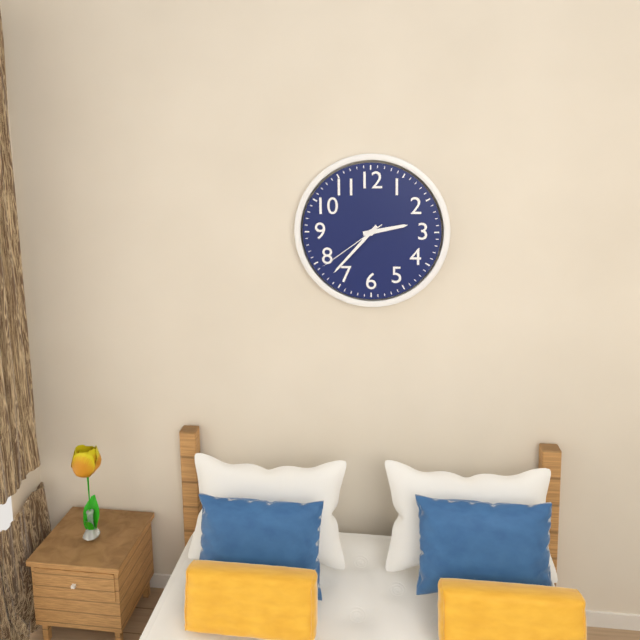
2.37.39
